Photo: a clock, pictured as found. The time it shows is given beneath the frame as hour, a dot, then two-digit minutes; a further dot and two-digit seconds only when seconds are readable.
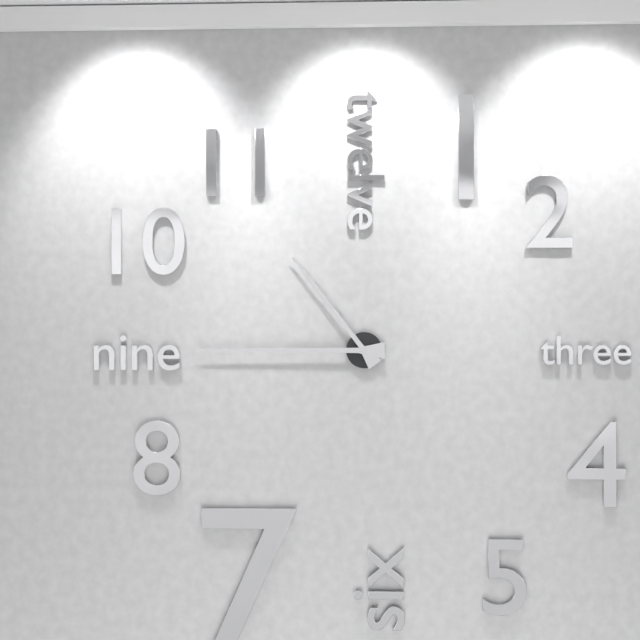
10.45
